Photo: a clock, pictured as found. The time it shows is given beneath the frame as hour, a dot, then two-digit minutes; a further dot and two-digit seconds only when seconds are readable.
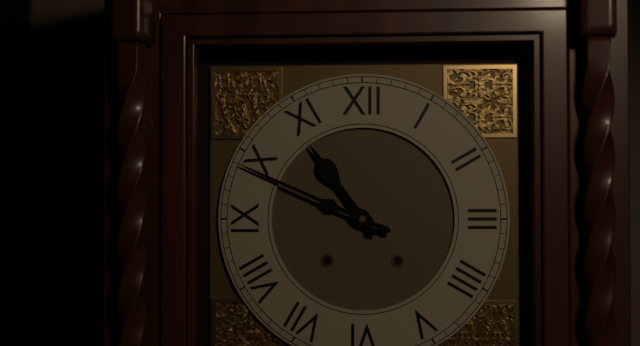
10.49
